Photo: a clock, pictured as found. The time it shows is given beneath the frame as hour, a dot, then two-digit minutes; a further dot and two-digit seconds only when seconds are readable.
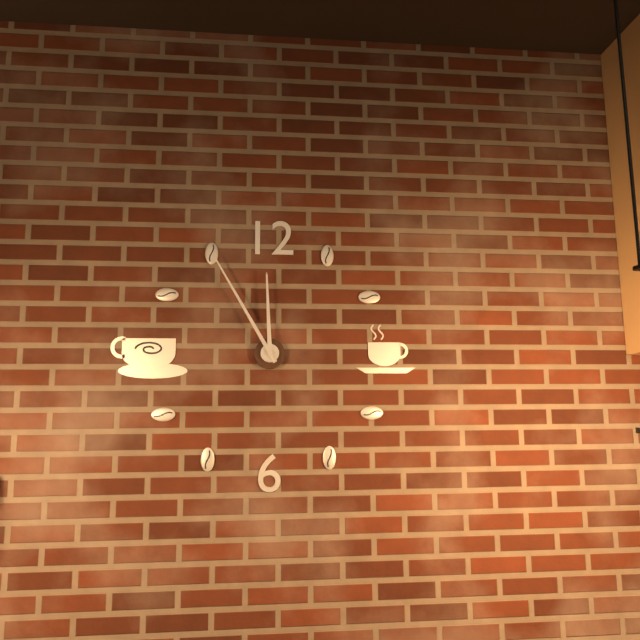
11.55
